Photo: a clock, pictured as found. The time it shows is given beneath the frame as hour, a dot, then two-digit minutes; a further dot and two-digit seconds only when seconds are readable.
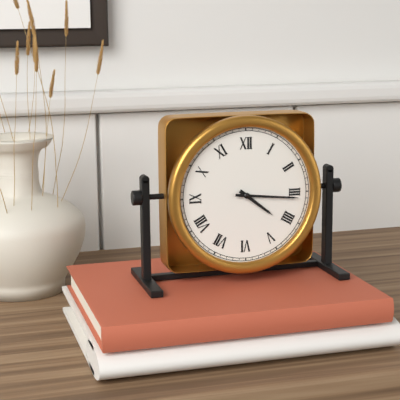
4.16
